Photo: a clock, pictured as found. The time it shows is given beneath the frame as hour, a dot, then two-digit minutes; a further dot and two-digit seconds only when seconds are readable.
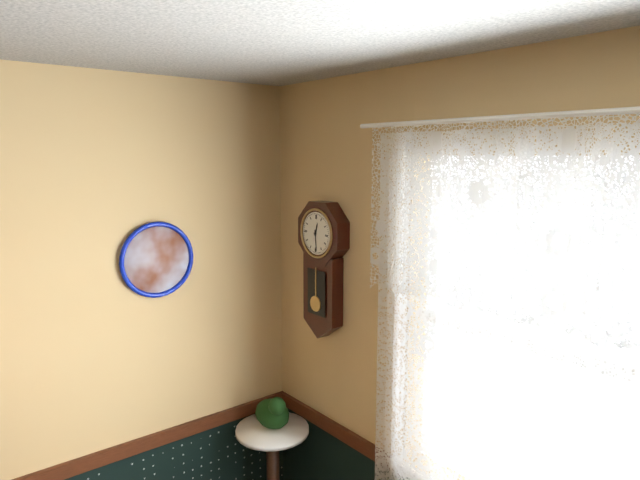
12.29
